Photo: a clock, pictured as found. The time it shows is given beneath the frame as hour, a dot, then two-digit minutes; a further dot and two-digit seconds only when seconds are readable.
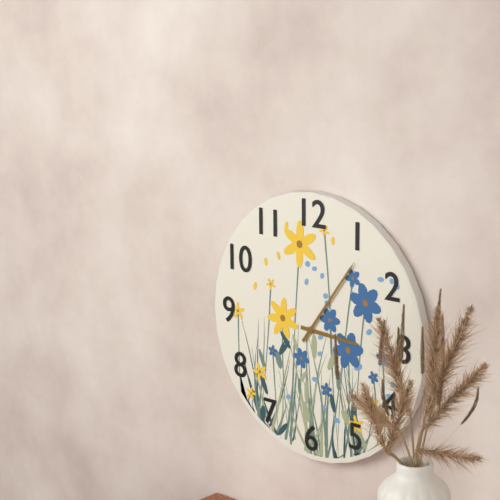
3.06
